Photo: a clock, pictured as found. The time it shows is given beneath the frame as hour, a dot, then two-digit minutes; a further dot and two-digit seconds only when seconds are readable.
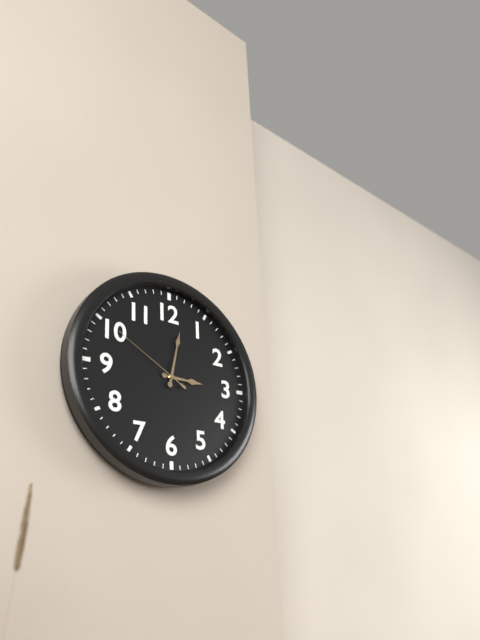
3.02.50
